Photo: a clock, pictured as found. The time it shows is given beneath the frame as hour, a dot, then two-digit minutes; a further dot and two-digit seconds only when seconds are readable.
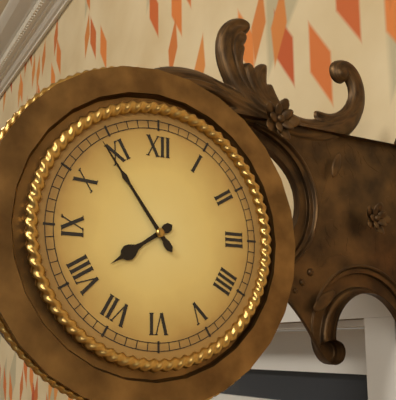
7.54
